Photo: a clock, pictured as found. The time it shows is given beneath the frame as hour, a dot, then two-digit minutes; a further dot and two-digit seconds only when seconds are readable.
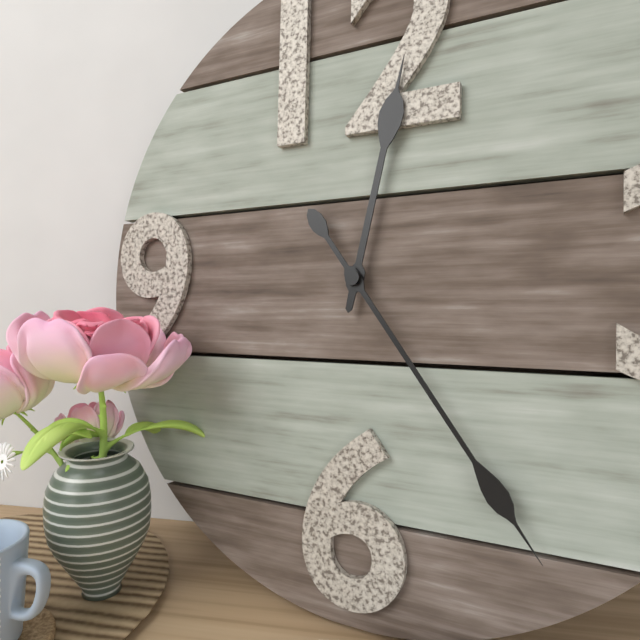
12.24
